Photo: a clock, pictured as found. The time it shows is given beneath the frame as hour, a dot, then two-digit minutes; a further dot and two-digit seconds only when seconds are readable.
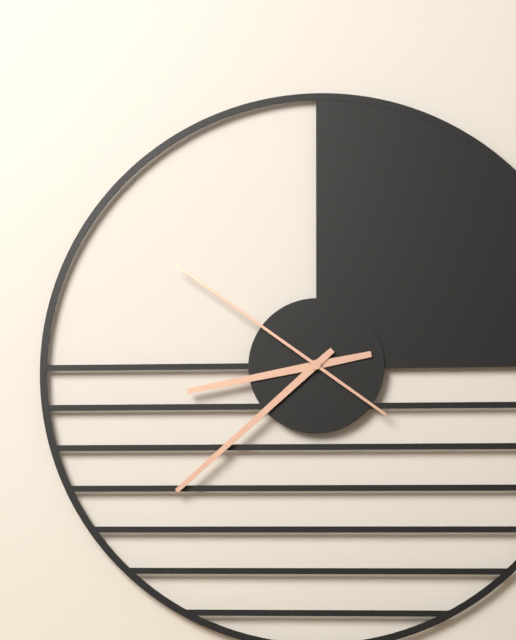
8.38.51
